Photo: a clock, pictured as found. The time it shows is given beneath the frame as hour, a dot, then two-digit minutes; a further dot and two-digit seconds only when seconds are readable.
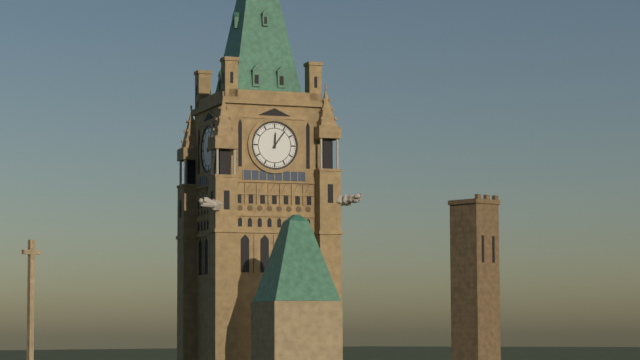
12.06
